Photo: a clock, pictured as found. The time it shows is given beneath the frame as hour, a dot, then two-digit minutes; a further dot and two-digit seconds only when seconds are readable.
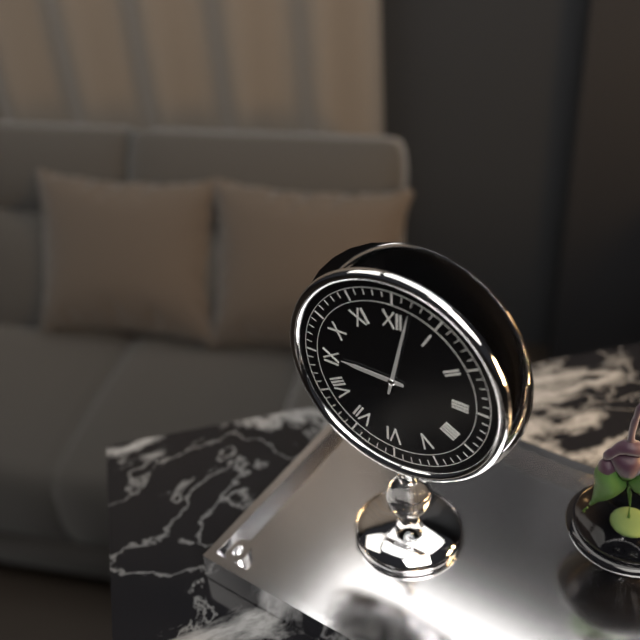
9.02
